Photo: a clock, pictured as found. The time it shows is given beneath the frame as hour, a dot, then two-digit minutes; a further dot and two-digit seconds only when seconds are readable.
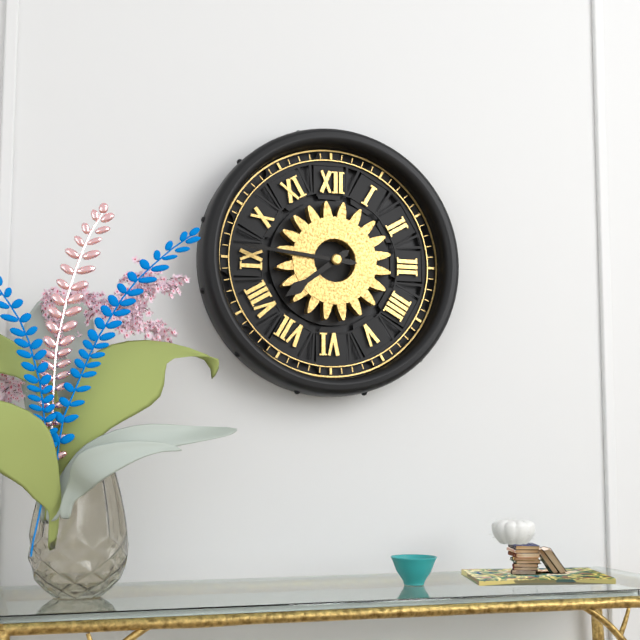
7.46
